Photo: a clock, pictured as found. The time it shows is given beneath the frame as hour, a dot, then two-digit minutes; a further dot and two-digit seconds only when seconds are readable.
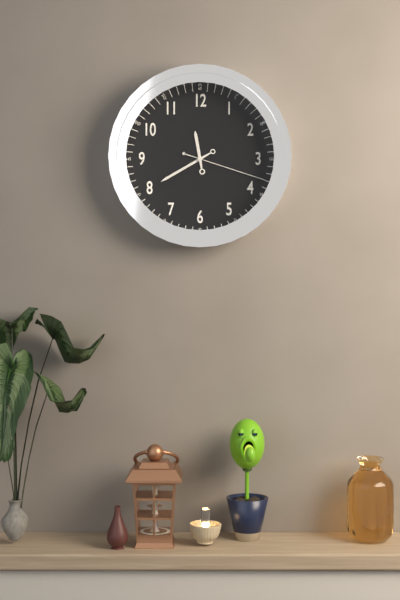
11.40.18
